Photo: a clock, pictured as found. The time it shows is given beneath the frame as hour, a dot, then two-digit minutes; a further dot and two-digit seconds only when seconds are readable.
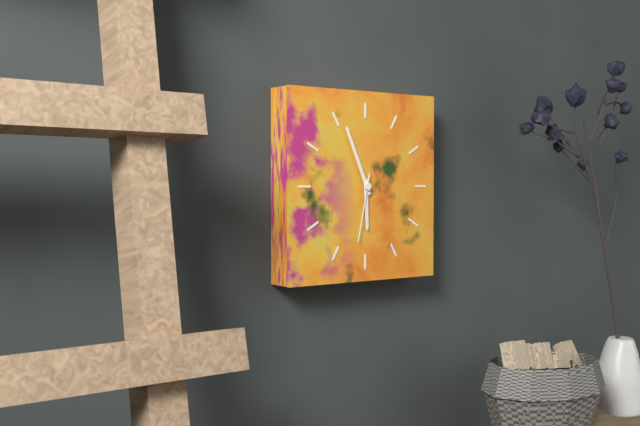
5.56.32
